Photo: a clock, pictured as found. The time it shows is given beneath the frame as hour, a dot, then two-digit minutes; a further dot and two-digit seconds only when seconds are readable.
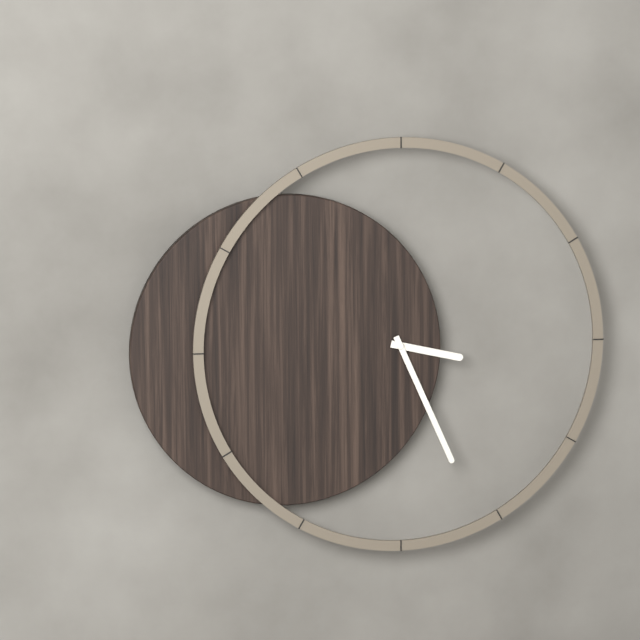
3.26
